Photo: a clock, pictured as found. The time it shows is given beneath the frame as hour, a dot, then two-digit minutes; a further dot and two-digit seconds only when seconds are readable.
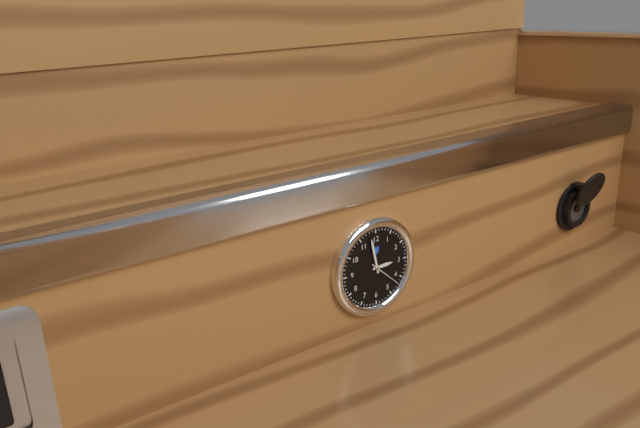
2.58
